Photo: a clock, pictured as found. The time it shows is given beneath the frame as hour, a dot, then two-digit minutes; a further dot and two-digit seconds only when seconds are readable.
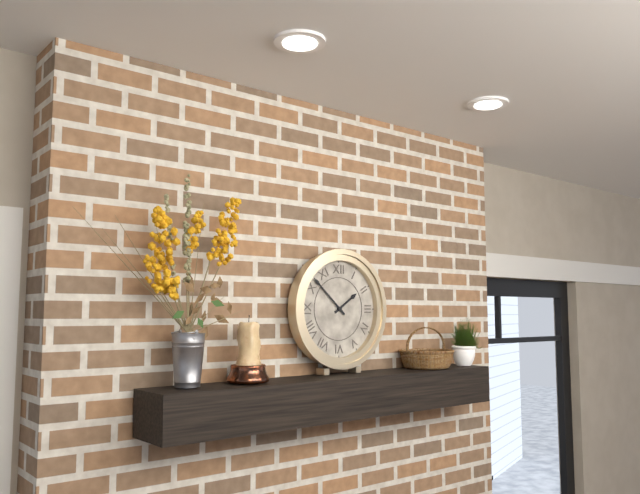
1.52
